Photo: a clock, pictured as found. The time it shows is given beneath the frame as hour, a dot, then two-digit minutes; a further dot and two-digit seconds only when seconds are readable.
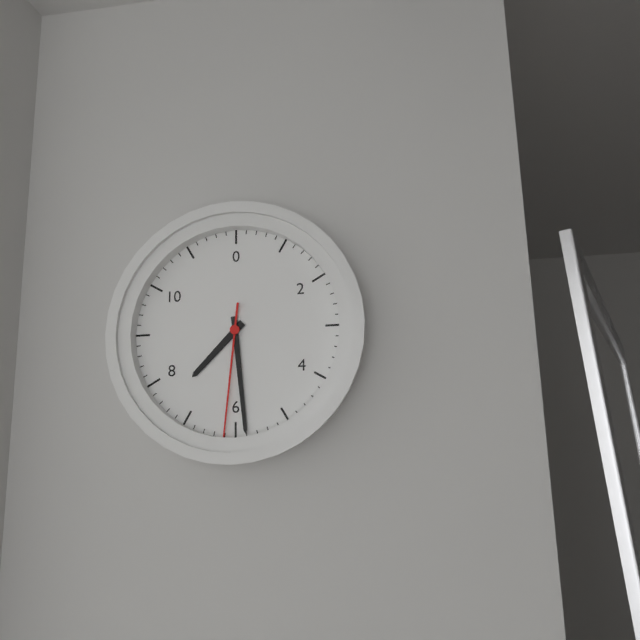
7.29.31
